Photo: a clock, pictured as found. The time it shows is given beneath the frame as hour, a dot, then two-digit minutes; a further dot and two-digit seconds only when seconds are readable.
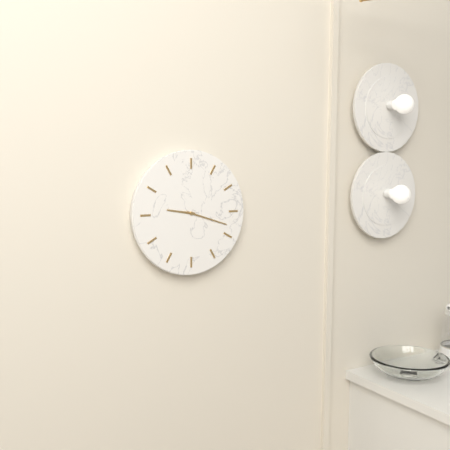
9.18
